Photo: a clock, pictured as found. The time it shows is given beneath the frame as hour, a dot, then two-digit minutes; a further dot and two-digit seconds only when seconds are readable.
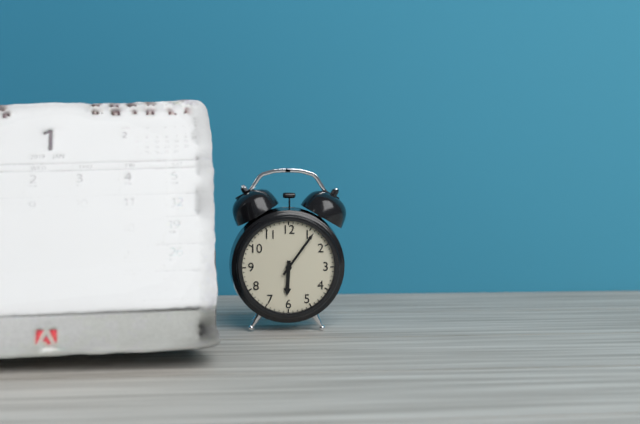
6.06
